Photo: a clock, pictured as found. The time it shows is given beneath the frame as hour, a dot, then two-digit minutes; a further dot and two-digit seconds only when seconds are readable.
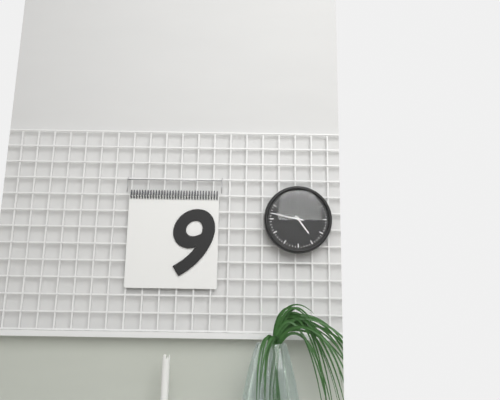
4.47
